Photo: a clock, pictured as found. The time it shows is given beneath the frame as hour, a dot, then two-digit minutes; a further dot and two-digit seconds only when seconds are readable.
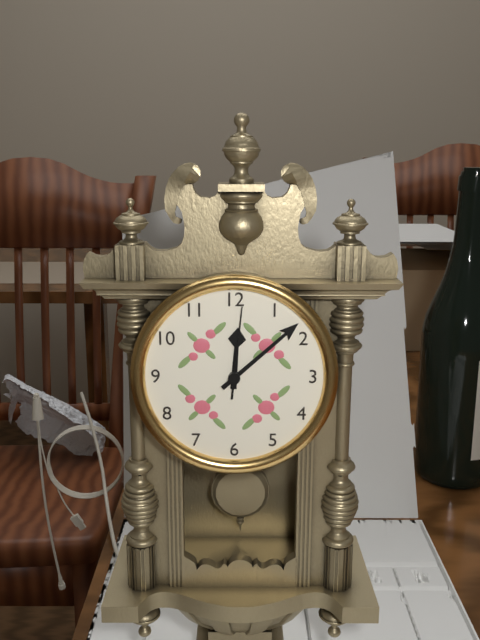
12.08.01
